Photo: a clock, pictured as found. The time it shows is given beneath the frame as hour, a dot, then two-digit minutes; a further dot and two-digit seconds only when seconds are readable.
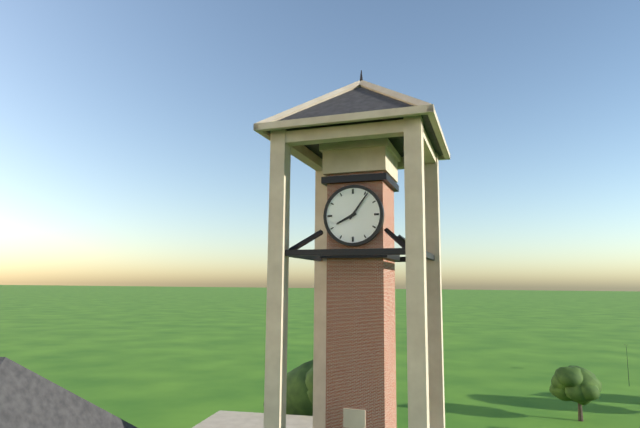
8.06
